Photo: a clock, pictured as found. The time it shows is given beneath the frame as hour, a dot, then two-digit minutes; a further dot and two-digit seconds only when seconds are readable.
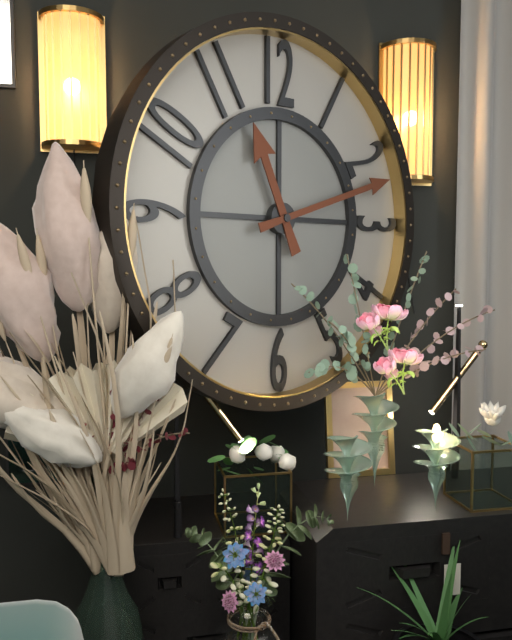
11.12
